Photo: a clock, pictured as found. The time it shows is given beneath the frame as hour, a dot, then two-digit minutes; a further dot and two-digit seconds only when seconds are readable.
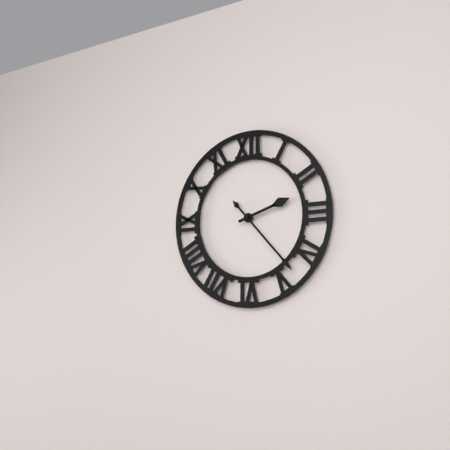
2.23
